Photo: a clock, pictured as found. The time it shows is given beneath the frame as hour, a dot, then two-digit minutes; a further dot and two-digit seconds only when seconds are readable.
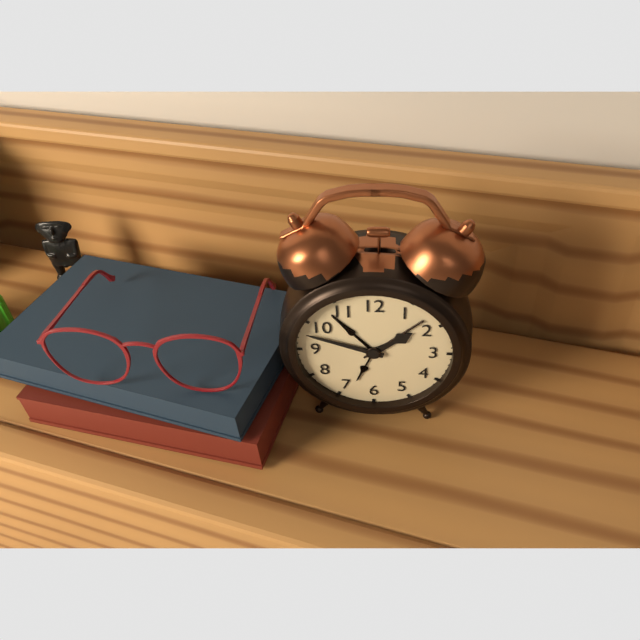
1.48
